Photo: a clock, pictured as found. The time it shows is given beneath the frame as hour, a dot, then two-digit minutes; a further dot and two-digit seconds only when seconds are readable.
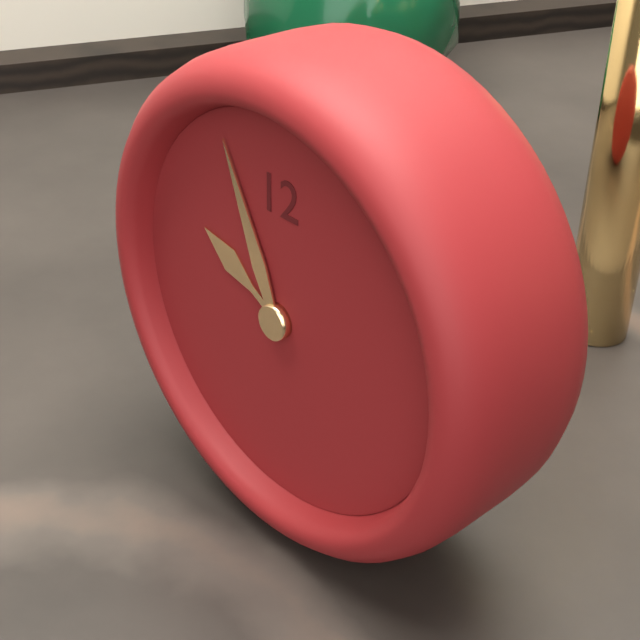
9.56
